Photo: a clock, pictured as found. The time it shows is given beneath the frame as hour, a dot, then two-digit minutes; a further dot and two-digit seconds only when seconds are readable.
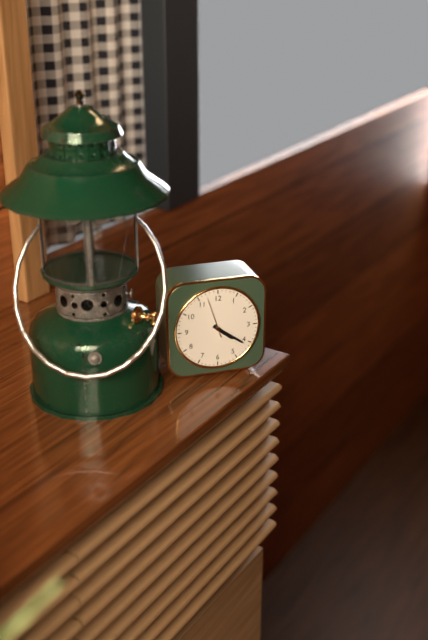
4.21
